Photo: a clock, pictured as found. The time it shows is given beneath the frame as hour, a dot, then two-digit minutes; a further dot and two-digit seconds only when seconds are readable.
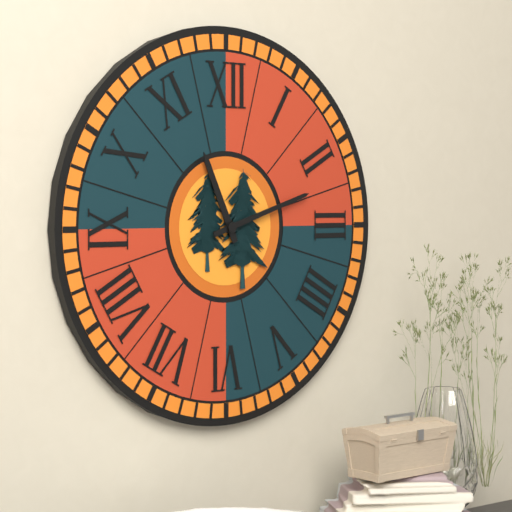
11.12
